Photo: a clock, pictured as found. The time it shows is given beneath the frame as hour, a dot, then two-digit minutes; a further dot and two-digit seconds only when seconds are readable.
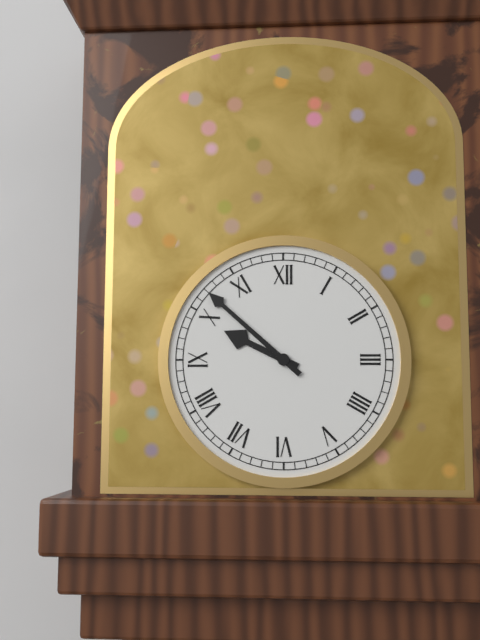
9.52
